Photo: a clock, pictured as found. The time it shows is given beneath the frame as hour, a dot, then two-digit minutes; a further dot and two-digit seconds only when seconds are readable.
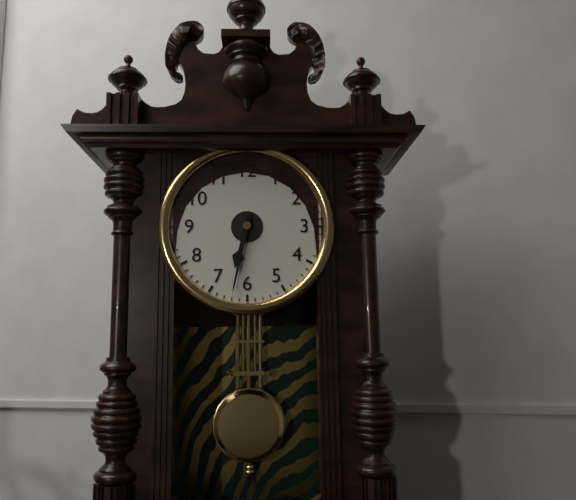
6.32
